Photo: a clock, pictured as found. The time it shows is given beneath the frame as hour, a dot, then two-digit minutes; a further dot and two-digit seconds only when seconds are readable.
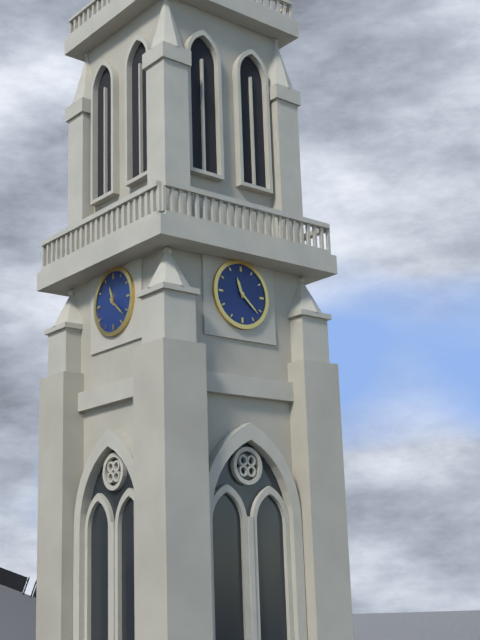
11.22
